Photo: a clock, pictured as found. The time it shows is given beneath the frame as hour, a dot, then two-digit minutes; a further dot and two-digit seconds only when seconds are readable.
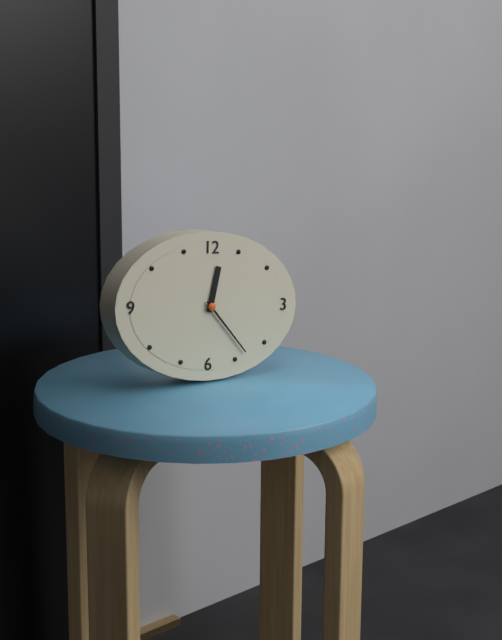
12.23
